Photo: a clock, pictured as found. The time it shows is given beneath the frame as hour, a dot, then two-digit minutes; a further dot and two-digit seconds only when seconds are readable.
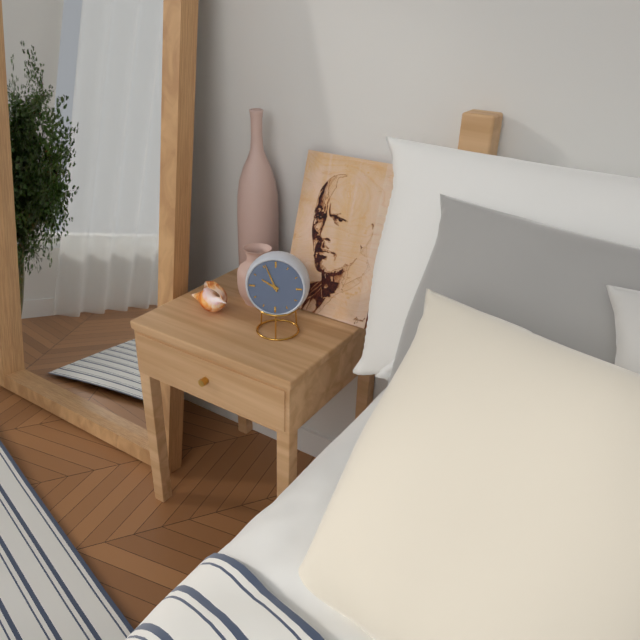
9.56
